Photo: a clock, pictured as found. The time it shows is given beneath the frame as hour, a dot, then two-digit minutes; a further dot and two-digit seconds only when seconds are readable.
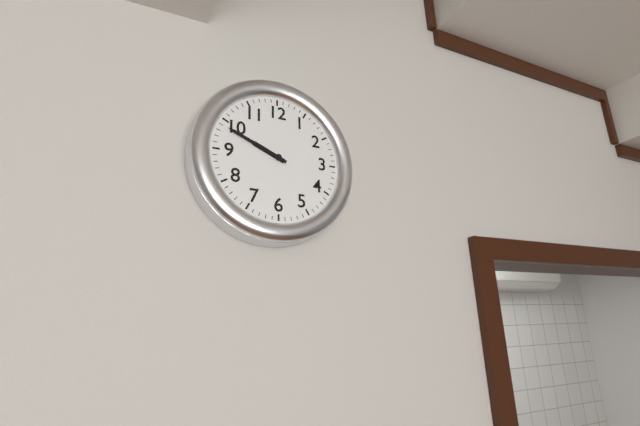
9.49
